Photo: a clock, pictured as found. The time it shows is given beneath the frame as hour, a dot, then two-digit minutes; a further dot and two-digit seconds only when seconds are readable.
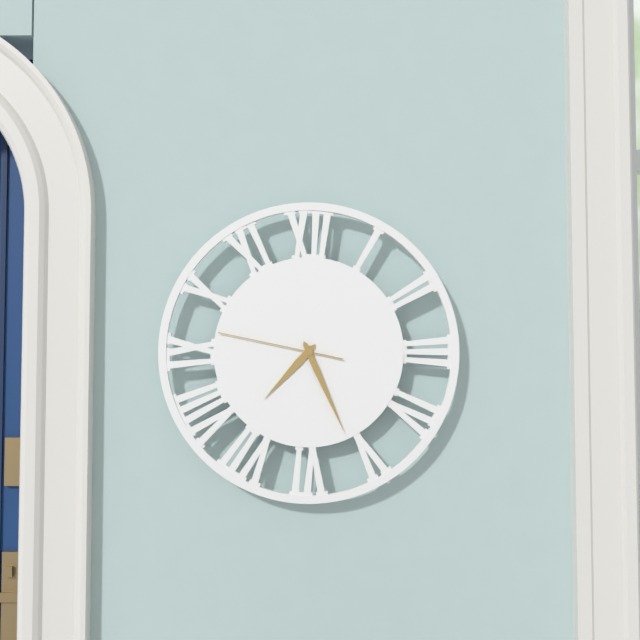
7.26.47
